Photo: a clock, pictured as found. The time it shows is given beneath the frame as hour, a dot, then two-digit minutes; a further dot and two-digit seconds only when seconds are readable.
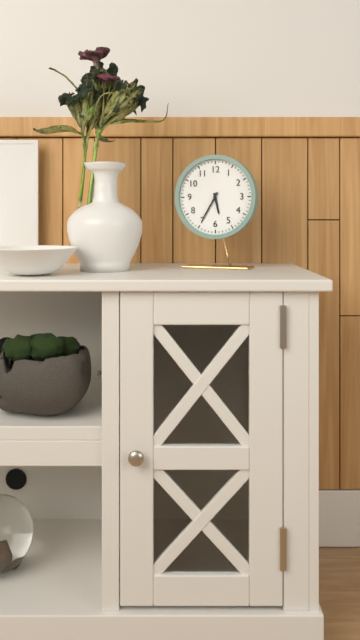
5.35
